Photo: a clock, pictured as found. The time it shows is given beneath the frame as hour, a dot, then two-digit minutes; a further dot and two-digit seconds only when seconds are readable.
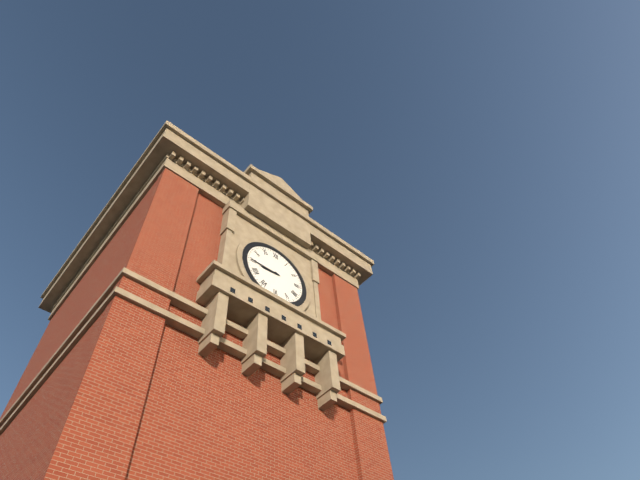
8.45
